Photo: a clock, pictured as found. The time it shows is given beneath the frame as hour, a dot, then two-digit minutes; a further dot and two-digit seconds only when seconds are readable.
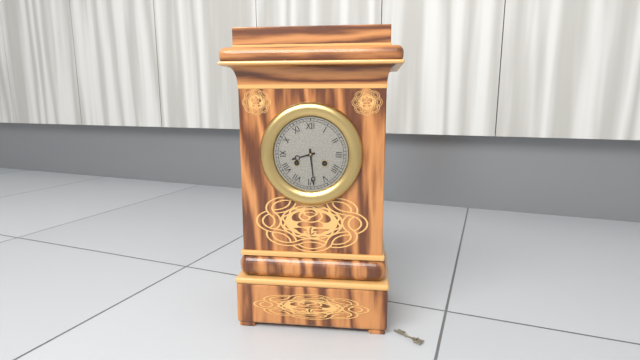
8.29
